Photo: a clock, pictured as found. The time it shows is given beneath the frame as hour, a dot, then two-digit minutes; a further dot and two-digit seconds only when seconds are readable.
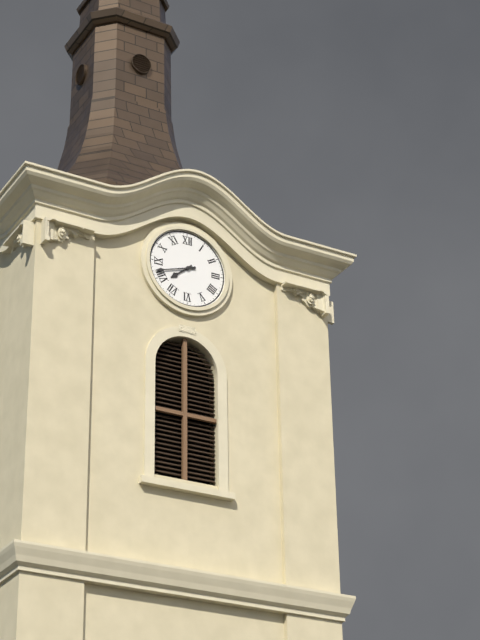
7.42
